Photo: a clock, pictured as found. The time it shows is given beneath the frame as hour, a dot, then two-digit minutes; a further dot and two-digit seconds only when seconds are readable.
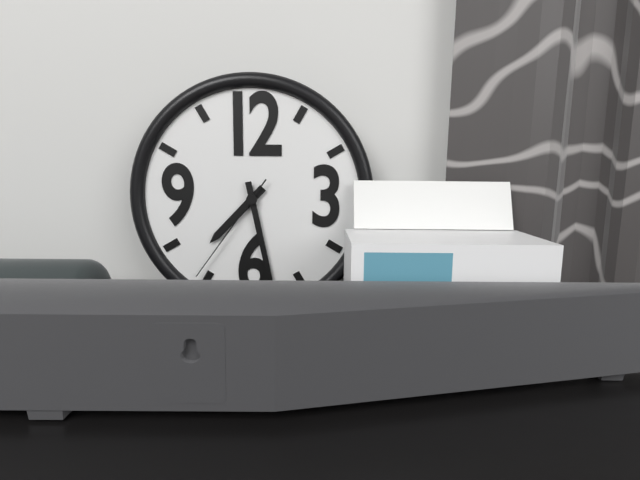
7.28.36
